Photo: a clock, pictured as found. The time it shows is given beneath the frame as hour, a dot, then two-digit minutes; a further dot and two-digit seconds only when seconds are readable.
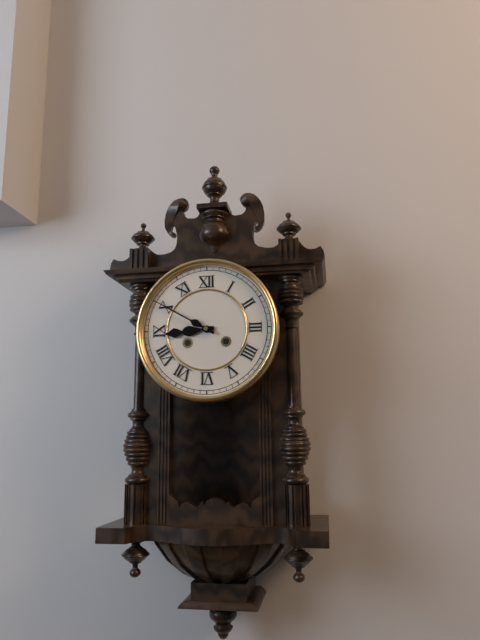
8.50
